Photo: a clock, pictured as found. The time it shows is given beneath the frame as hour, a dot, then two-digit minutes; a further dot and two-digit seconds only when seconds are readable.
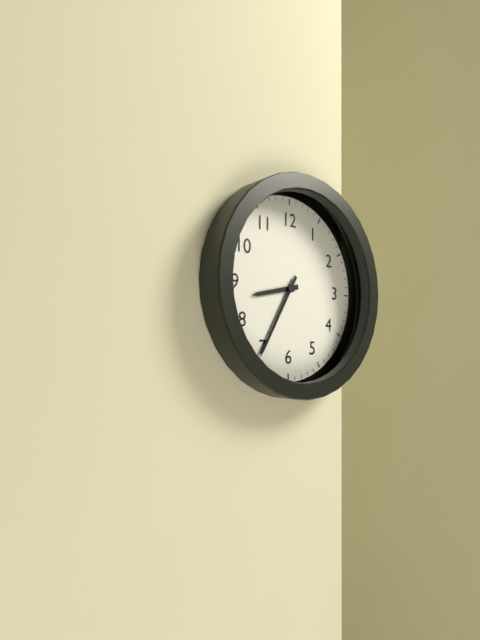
8.35
